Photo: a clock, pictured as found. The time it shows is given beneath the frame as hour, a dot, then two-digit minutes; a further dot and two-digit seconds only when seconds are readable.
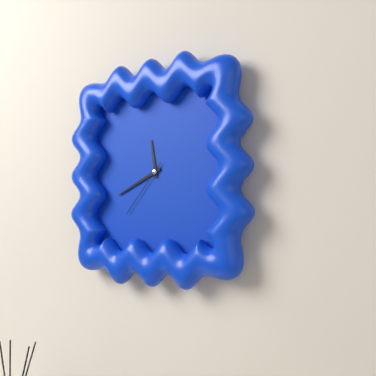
11.41.37
